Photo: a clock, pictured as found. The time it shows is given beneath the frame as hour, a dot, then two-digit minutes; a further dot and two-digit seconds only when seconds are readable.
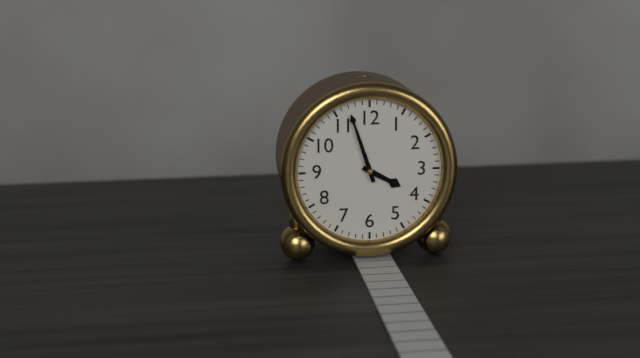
3.57
